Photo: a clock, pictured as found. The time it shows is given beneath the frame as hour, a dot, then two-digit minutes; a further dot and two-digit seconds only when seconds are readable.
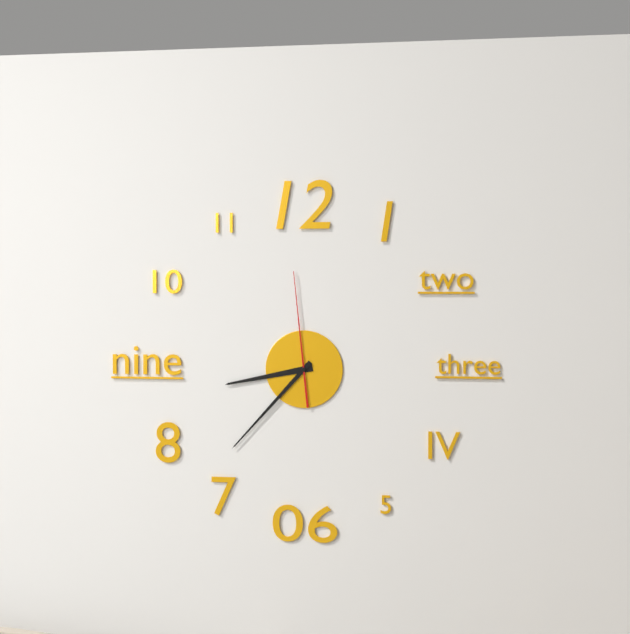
8.37.59
